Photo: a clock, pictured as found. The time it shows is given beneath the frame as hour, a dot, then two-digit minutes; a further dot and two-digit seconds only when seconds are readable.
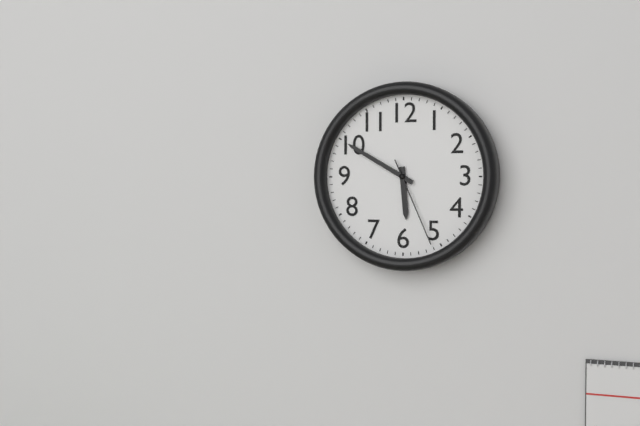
5.50.26
